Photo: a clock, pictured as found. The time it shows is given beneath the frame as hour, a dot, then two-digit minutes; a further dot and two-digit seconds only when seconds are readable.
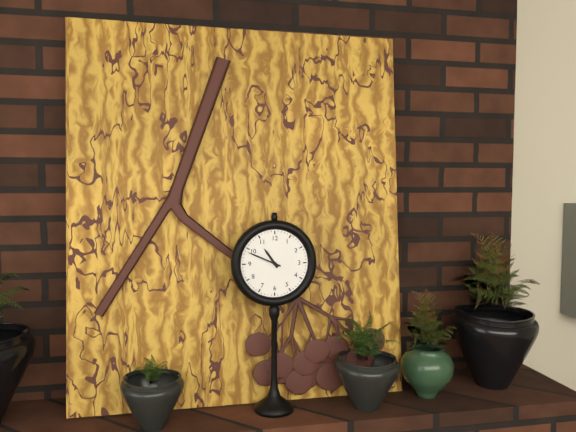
10.49
